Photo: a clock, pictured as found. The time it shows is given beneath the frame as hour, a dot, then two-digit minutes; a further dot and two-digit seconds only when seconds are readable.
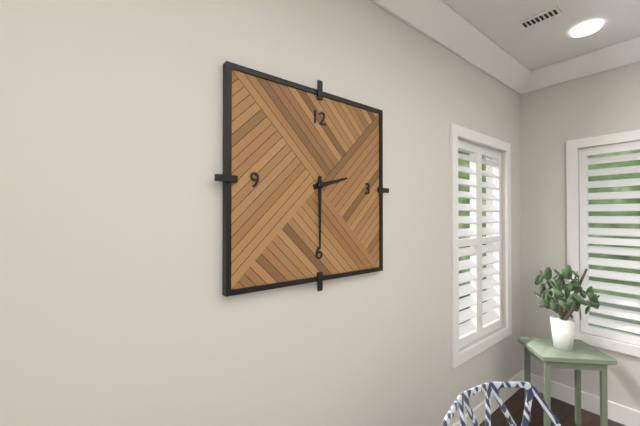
2.30
